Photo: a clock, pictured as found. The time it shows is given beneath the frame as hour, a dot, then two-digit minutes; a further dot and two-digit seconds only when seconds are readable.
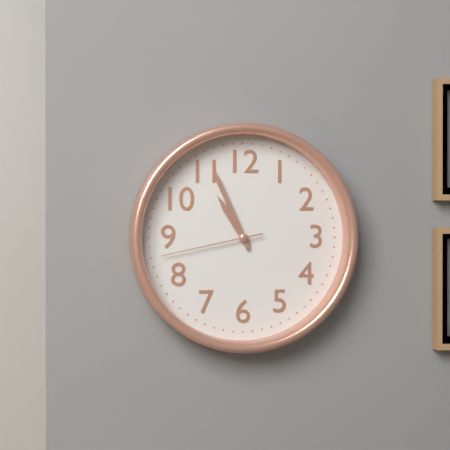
10.56.43
